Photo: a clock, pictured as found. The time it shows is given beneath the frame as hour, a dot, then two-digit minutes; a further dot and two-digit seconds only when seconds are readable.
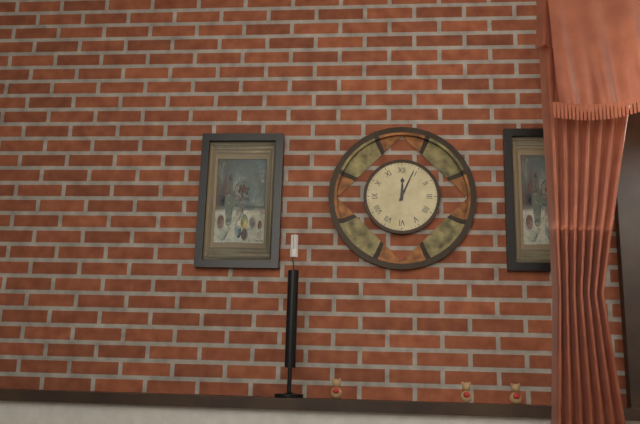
12.04
